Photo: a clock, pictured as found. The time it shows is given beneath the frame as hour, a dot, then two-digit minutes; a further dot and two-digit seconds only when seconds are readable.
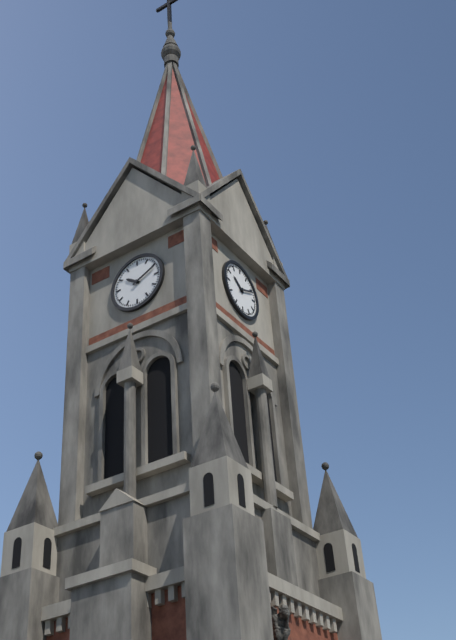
10.11
